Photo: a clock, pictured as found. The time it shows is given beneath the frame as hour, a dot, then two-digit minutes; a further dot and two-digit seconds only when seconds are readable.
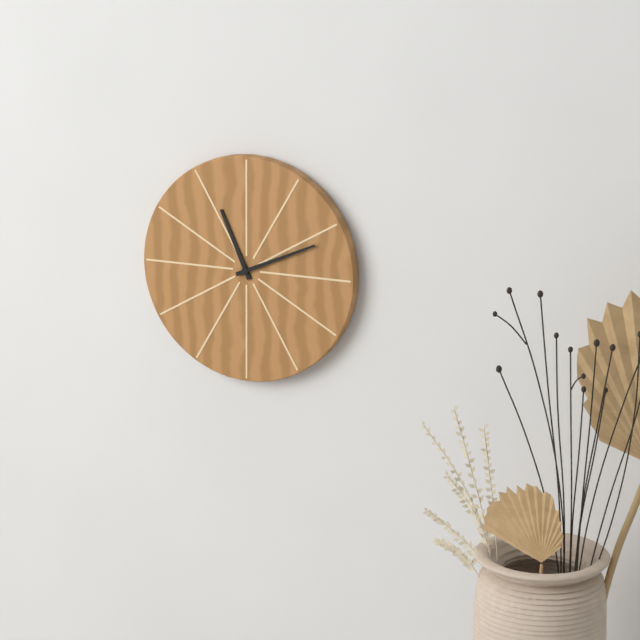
11.11
